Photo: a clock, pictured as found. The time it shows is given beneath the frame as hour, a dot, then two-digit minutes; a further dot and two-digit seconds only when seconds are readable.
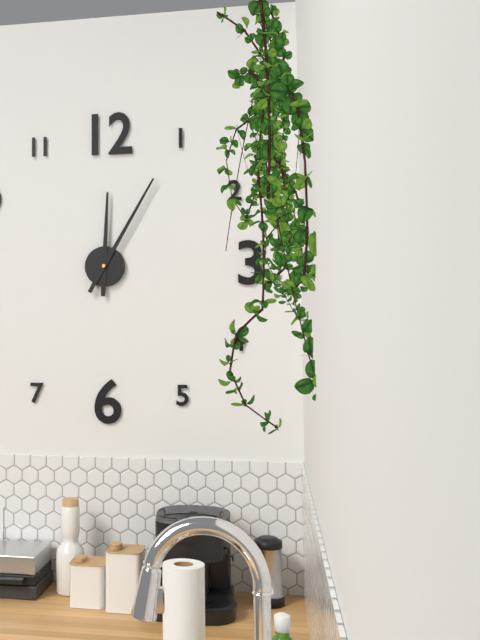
12.05
